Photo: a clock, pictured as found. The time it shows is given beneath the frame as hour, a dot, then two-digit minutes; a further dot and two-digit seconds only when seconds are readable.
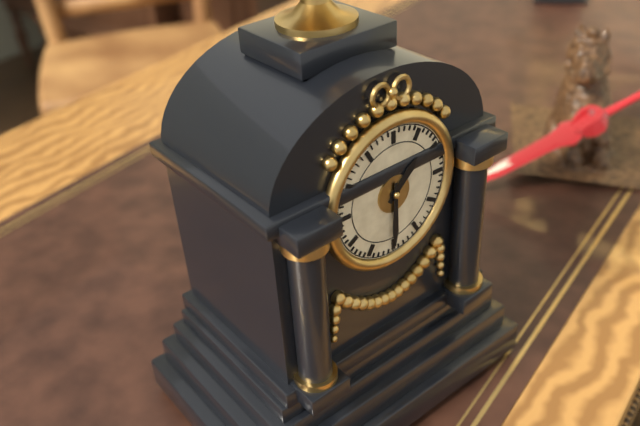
1.30
